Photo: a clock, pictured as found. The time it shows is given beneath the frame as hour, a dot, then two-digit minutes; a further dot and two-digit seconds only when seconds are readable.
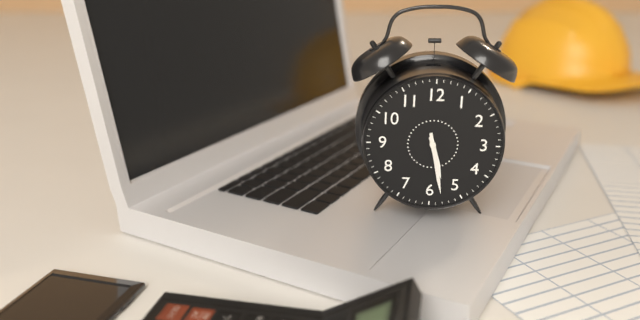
5.28
